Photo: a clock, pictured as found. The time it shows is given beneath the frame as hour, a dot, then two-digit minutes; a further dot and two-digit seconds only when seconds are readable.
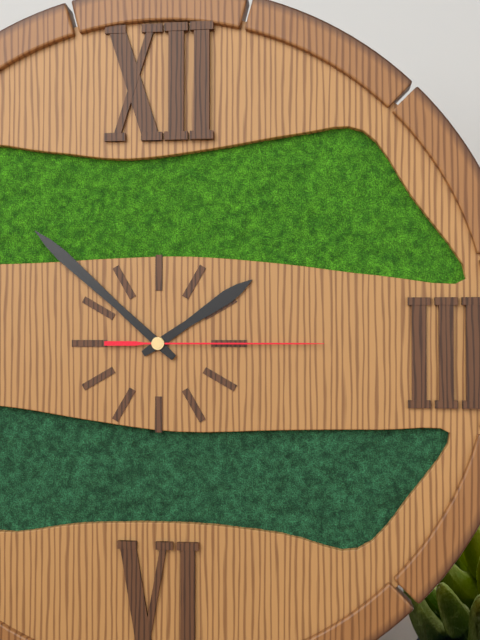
1.52.15
